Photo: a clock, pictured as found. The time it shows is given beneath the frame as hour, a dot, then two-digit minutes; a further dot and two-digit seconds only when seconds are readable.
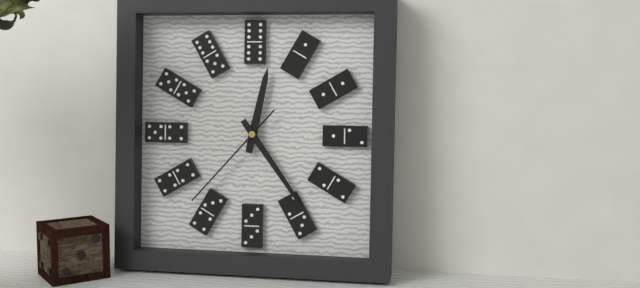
12.24.37
